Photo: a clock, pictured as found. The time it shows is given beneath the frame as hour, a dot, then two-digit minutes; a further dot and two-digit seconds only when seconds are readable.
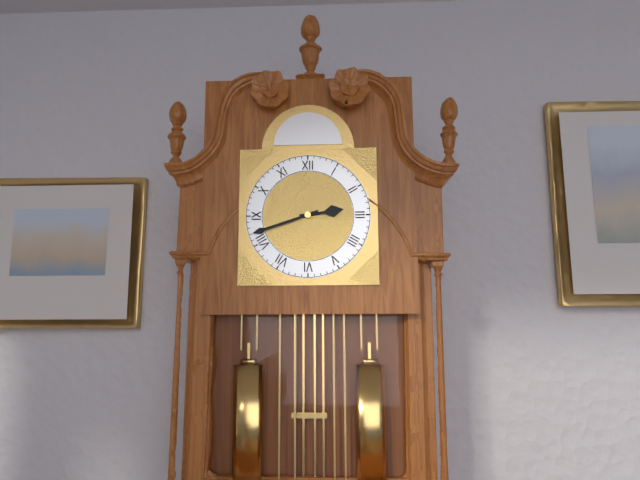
2.42
